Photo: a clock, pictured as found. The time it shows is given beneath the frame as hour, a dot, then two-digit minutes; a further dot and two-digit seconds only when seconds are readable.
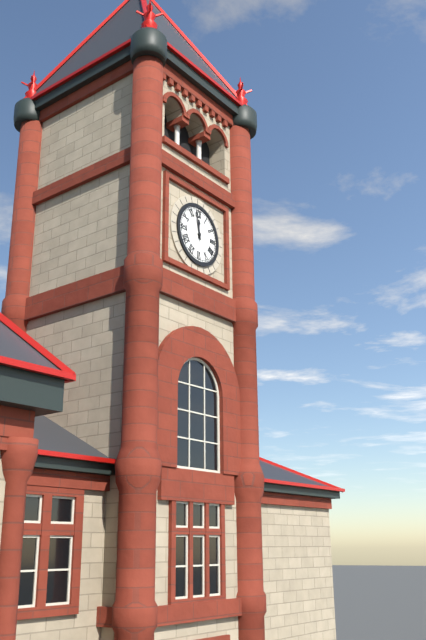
11.58
